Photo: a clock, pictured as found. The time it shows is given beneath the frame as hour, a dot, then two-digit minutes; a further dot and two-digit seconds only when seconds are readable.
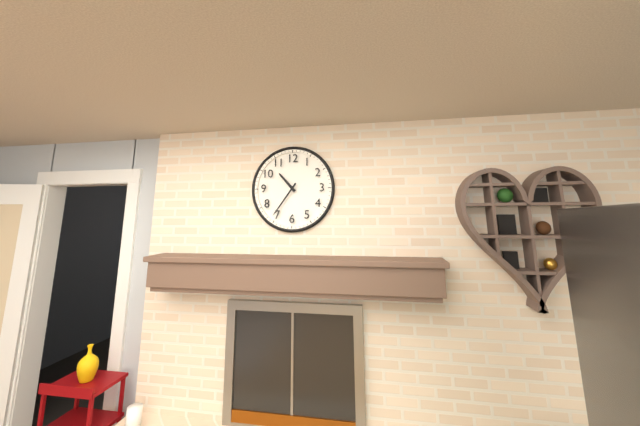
10.36
